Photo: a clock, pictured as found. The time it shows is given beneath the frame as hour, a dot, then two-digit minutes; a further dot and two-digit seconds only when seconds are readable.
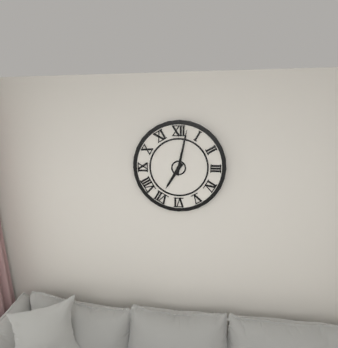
7.02
